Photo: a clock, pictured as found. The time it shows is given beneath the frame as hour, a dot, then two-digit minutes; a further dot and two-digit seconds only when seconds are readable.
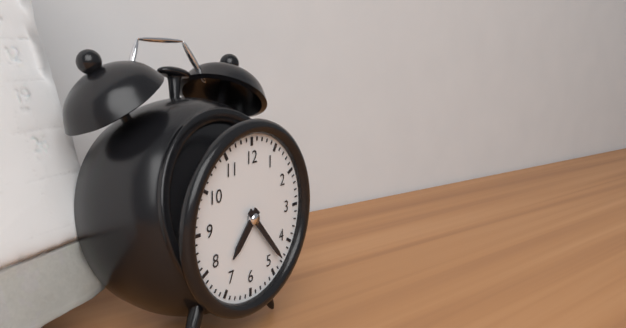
7.23
